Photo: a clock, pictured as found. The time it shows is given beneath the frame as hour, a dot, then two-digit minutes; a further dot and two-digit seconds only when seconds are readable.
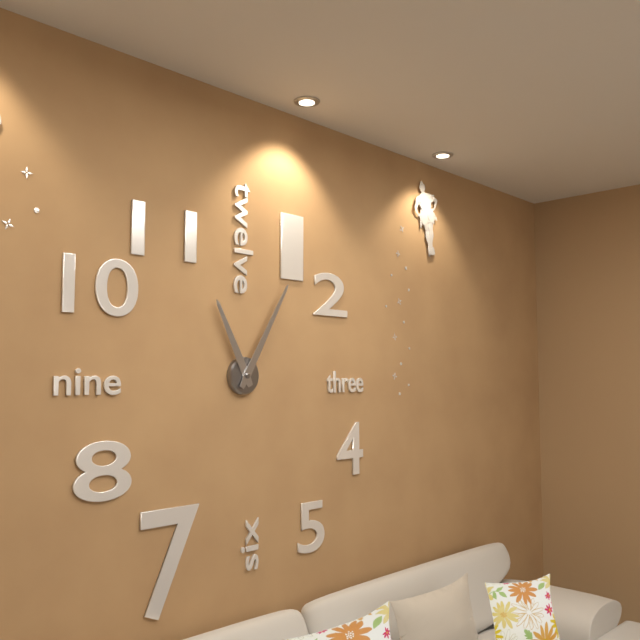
11.05
